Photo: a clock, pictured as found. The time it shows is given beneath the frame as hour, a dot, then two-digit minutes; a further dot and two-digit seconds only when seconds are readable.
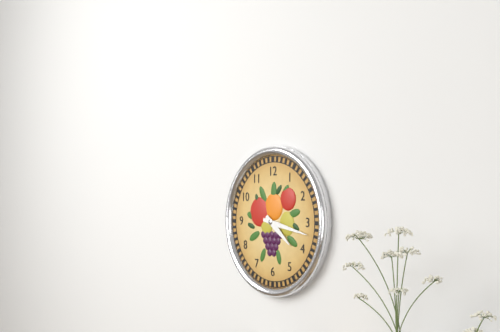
4.17
